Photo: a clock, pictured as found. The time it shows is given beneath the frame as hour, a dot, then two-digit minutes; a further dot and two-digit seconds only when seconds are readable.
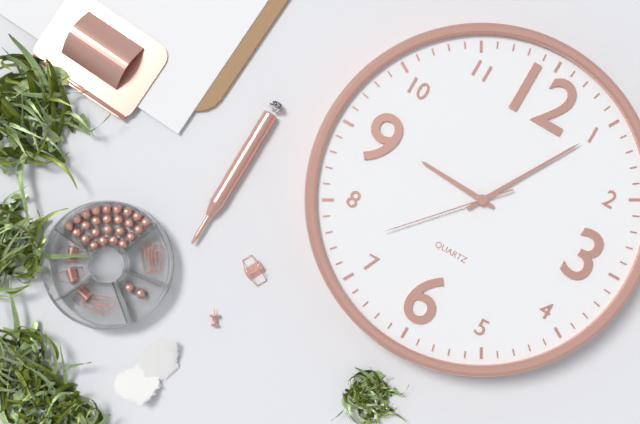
9.05.37
